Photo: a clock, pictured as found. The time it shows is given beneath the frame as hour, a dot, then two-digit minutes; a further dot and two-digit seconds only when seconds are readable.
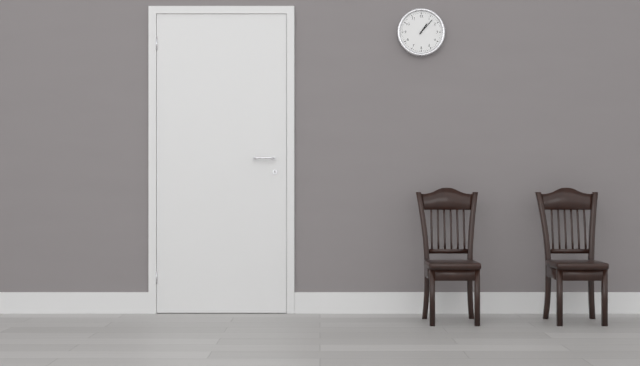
1.07
